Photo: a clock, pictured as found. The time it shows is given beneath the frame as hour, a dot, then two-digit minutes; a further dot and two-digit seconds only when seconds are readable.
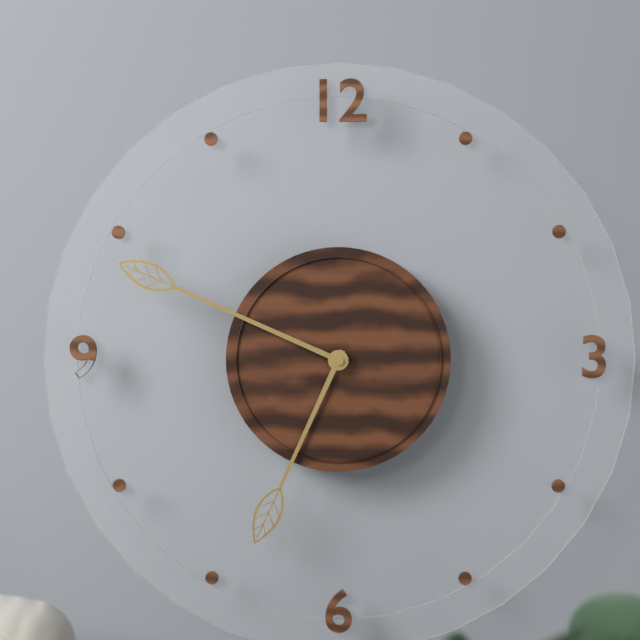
6.49
